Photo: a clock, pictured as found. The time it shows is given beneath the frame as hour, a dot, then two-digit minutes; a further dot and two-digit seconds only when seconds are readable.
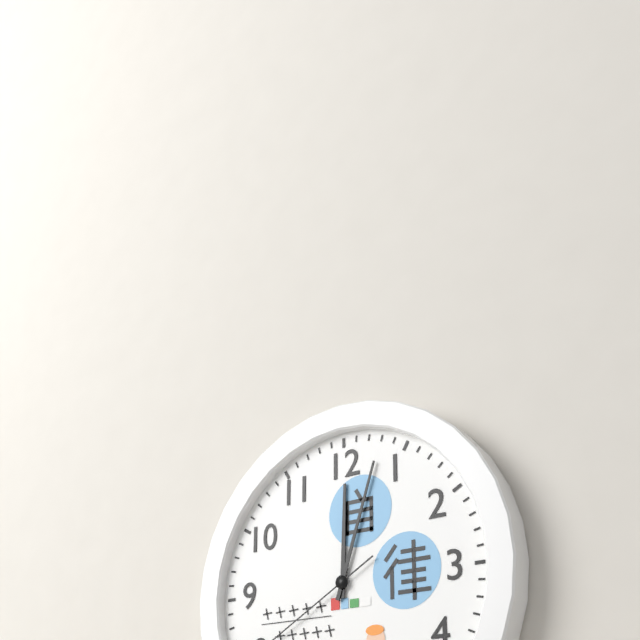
12.03
